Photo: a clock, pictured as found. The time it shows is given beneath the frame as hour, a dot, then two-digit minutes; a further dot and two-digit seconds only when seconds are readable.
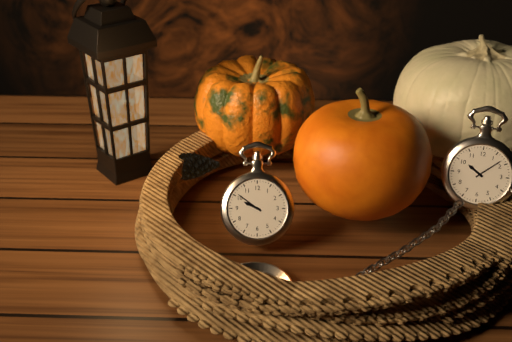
9.51
